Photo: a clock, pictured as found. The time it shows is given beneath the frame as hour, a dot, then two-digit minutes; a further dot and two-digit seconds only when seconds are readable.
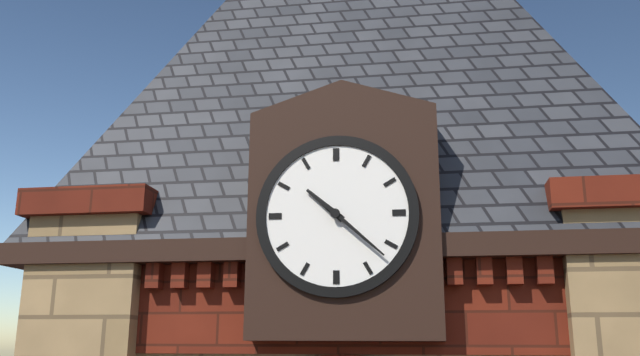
10.22
